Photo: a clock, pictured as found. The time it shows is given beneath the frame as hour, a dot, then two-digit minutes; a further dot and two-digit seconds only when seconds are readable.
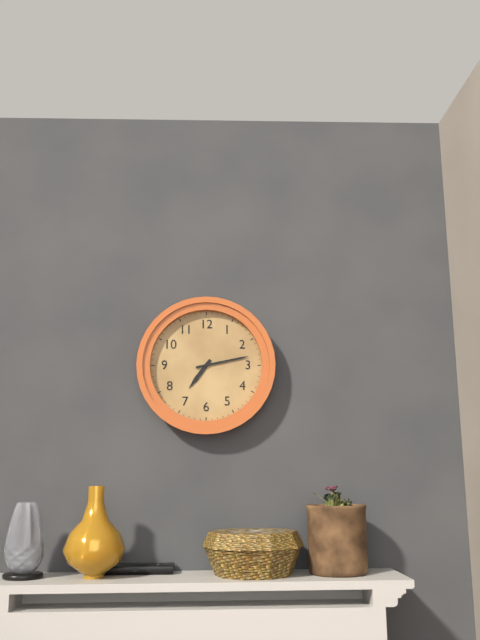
7.13
